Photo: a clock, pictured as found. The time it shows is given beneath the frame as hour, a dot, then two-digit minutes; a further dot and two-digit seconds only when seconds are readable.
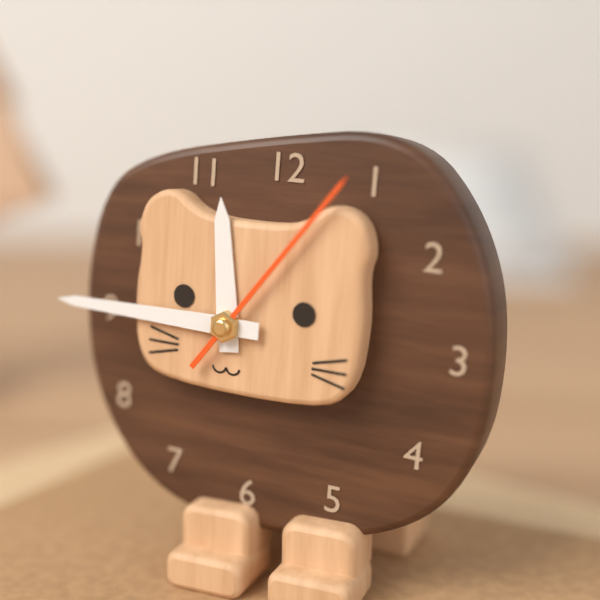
11.45.06
